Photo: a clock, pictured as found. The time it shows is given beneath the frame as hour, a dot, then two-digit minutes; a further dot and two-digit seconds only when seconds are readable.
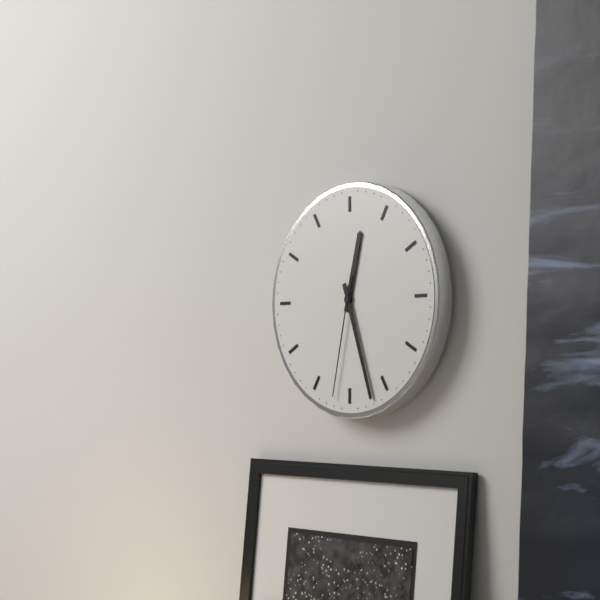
12.27.32
